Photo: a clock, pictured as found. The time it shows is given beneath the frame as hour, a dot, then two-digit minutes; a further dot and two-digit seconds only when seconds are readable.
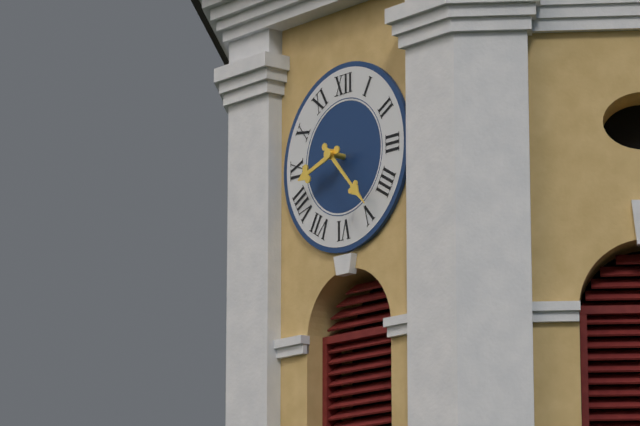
8.23
